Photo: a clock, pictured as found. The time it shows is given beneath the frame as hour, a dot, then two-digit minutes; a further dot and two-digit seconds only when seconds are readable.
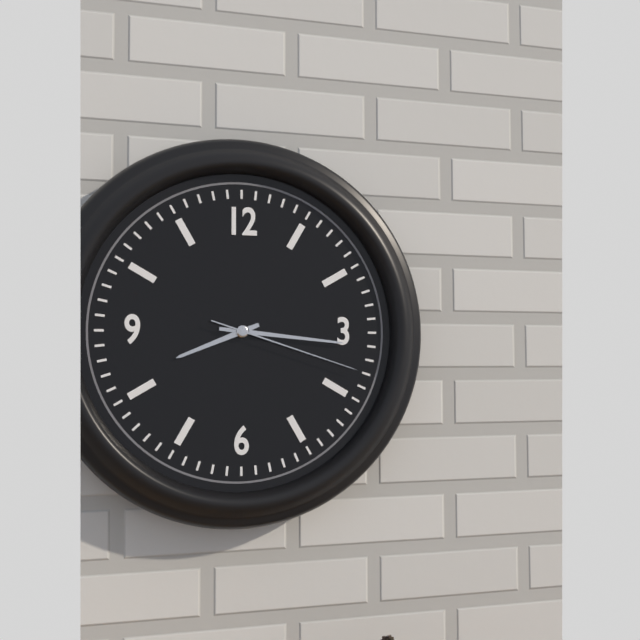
8.16.18
